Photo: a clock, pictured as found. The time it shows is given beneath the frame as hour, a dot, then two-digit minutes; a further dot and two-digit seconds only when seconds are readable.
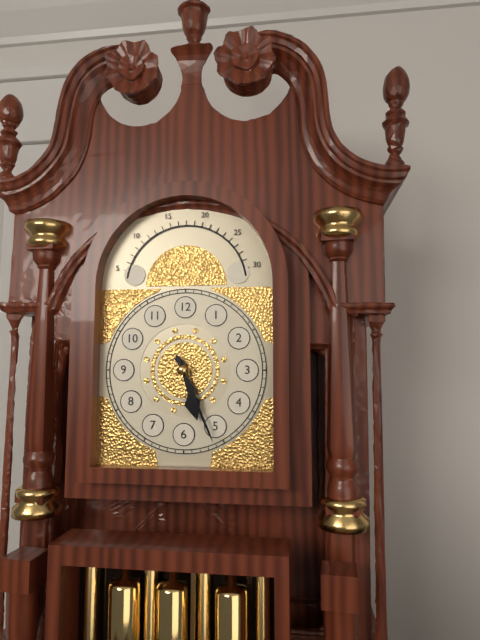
5.26
